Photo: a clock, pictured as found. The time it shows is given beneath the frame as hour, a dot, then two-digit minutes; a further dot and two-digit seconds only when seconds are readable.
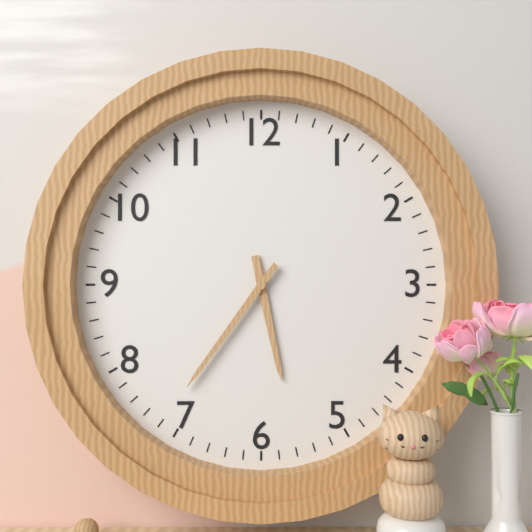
5.36
